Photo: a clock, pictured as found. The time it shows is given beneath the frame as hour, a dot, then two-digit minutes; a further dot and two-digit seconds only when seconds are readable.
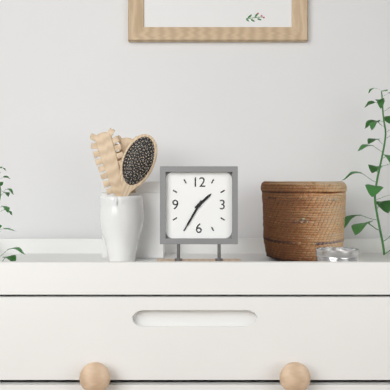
1.35
